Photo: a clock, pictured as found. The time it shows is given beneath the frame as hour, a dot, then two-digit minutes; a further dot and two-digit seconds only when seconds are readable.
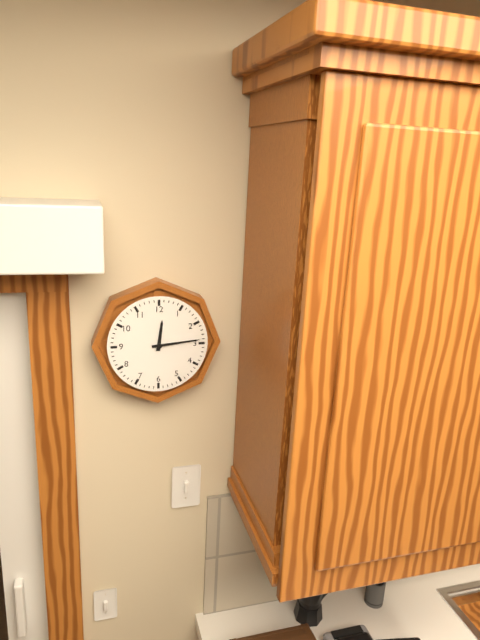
12.14
